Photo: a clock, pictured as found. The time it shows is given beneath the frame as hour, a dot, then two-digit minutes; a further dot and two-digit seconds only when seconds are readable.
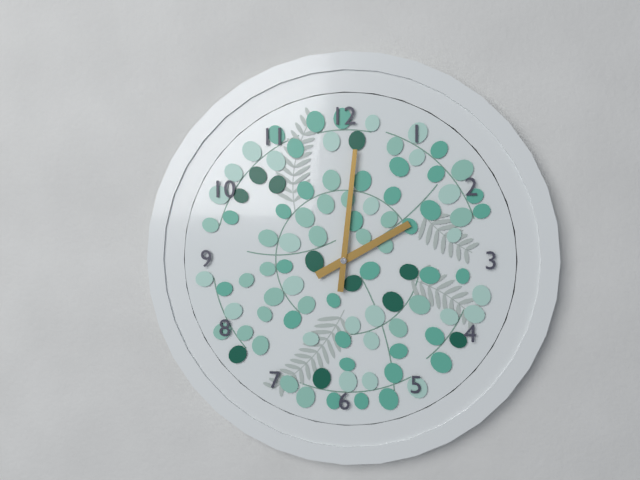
2.01
